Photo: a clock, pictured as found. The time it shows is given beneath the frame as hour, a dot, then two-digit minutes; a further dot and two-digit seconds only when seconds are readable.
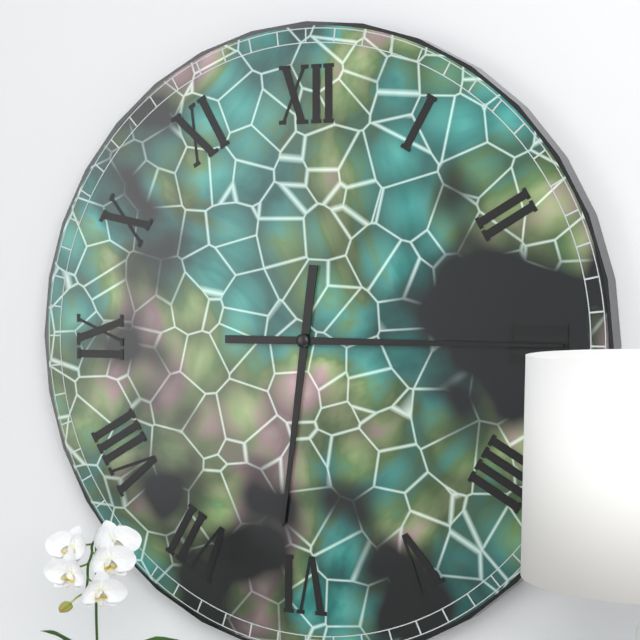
6.15
